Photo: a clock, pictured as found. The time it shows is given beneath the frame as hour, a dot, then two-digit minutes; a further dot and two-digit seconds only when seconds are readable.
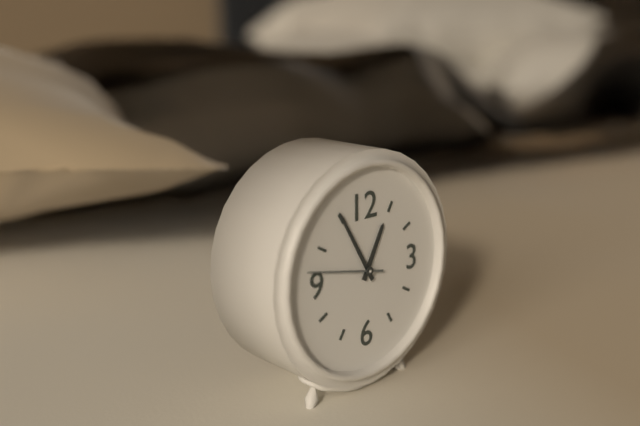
12.55.47
